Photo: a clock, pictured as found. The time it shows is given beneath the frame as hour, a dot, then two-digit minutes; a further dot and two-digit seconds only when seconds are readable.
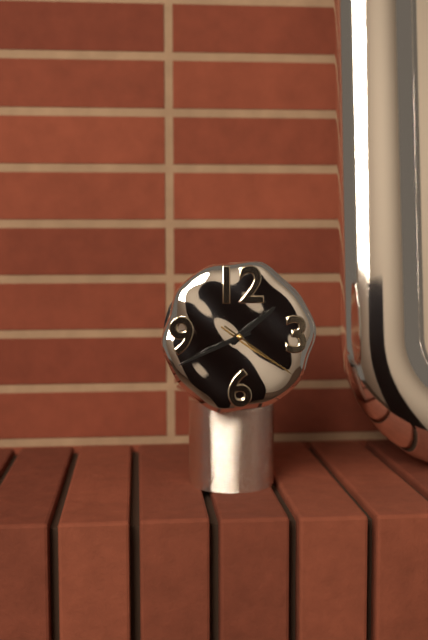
1.41.21
